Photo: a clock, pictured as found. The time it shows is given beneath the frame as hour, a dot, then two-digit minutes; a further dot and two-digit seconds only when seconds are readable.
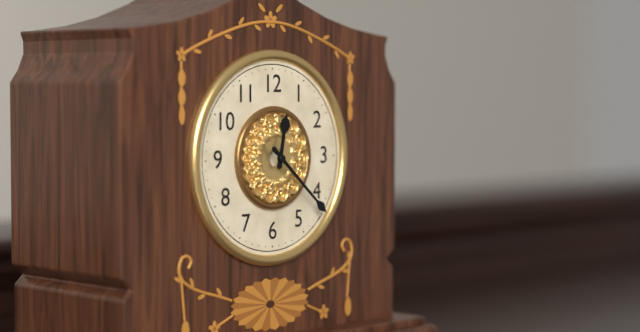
12.22
